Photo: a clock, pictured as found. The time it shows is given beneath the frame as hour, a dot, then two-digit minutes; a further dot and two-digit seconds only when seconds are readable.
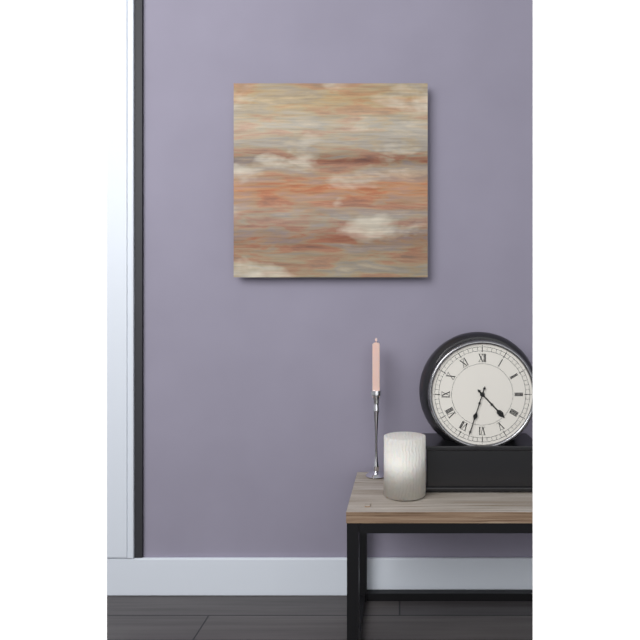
4.33
